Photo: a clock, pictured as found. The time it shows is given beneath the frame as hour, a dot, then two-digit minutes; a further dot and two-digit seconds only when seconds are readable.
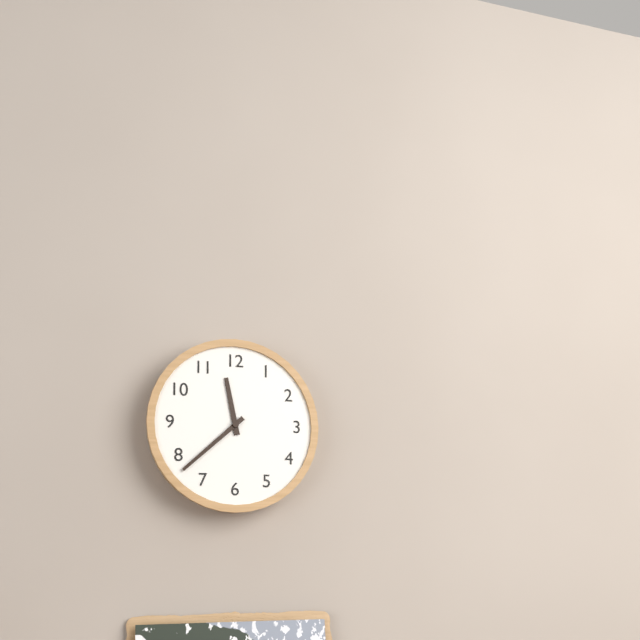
11.38
